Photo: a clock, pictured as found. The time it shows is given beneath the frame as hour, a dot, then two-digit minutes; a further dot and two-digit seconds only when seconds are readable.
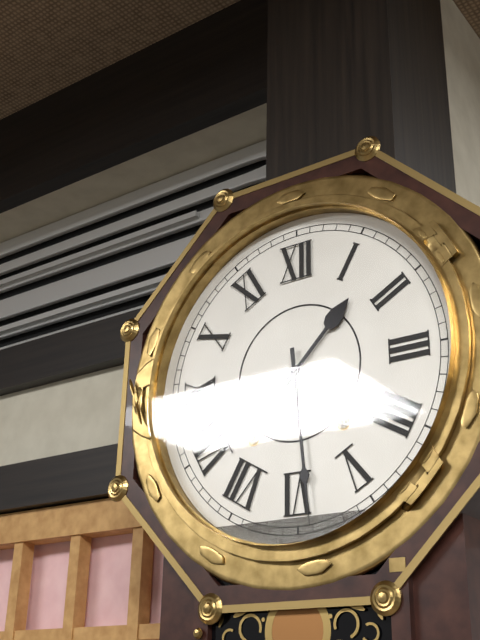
1.29
